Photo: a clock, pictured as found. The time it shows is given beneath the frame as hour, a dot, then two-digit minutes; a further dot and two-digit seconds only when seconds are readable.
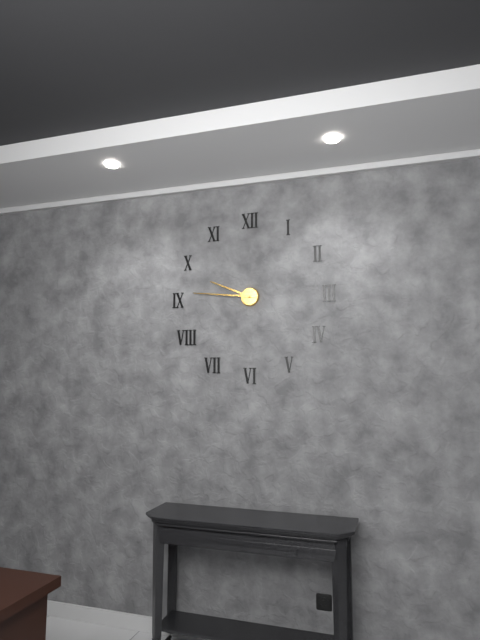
9.46
